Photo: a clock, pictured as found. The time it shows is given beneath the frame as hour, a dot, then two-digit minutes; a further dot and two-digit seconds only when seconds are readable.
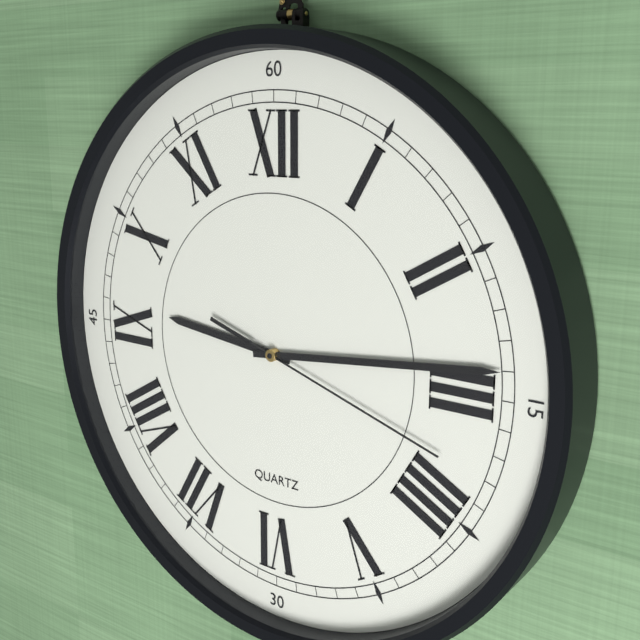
9.14.18
